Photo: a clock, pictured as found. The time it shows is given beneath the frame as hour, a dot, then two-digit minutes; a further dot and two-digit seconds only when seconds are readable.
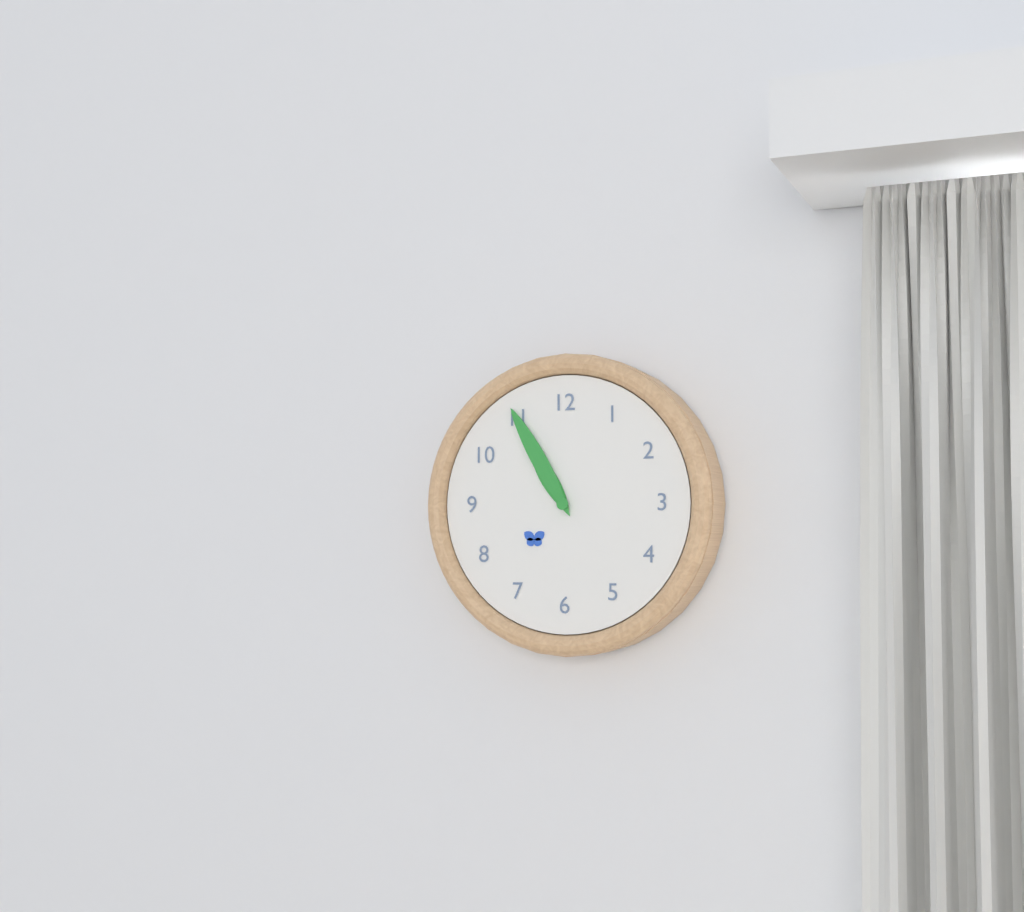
10.55
